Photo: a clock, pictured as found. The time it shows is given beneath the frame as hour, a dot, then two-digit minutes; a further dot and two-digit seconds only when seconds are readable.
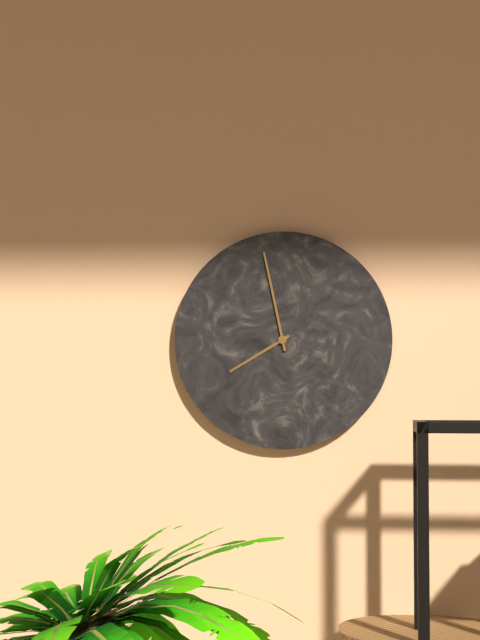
7.58
